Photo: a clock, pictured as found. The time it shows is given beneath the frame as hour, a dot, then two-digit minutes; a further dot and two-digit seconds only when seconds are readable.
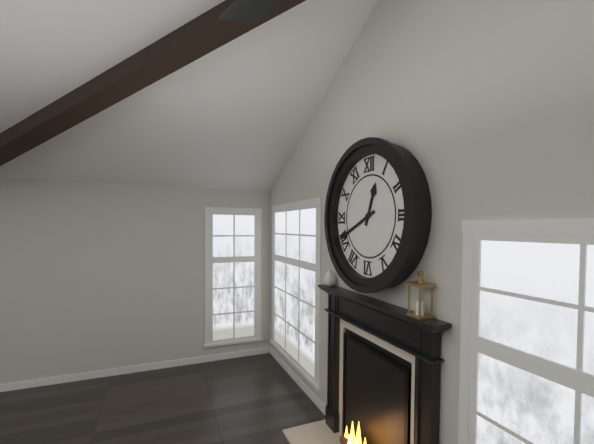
12.41
